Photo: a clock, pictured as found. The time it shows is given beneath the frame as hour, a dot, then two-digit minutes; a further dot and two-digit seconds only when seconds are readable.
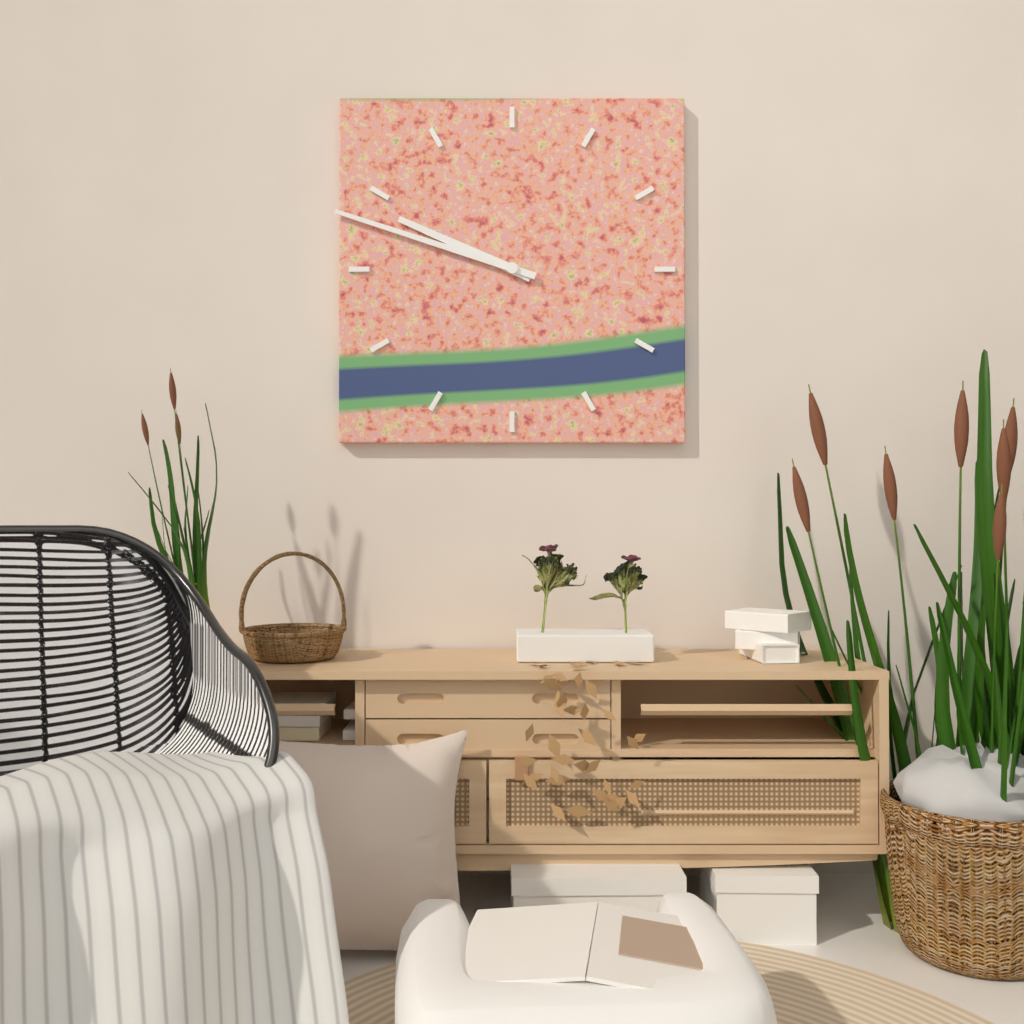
9.48
